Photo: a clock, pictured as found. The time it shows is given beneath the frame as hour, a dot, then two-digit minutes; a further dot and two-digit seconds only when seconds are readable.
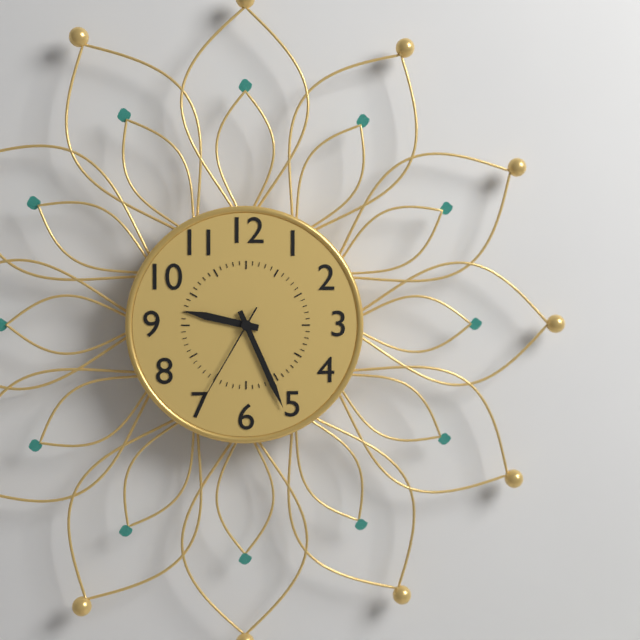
9.26.35
